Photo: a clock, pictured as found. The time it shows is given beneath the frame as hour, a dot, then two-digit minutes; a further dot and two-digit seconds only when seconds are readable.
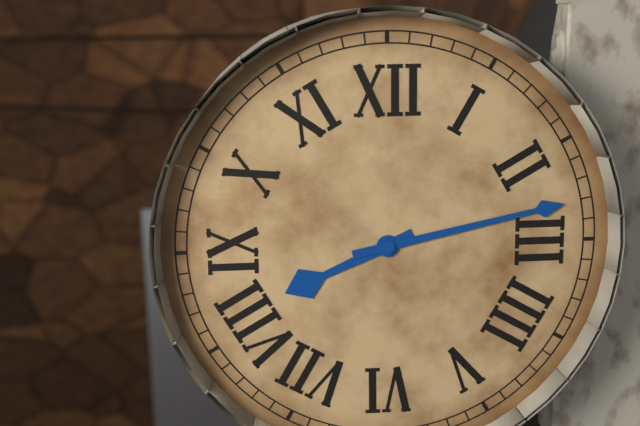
8.13
